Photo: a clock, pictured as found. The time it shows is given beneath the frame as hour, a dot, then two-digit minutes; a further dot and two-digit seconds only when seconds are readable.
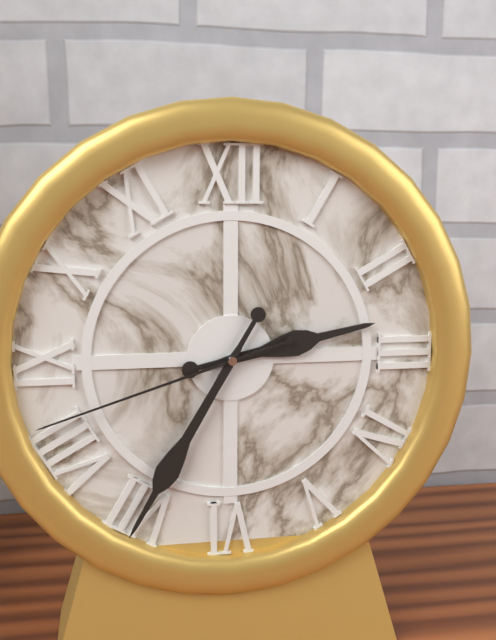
2.35.42
